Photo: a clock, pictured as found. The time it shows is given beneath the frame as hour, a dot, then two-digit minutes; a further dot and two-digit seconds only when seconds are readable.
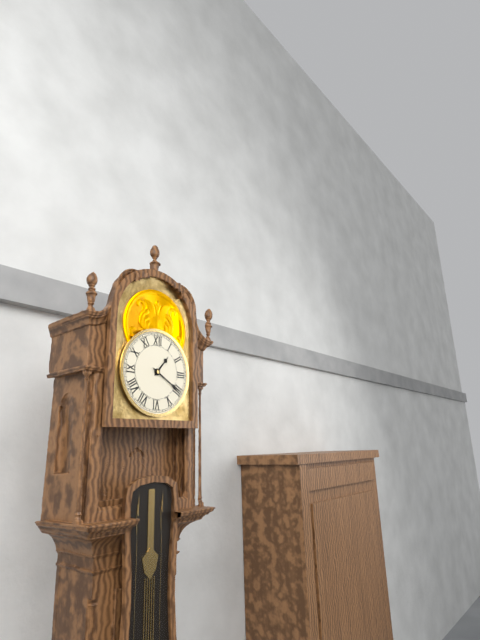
1.20
